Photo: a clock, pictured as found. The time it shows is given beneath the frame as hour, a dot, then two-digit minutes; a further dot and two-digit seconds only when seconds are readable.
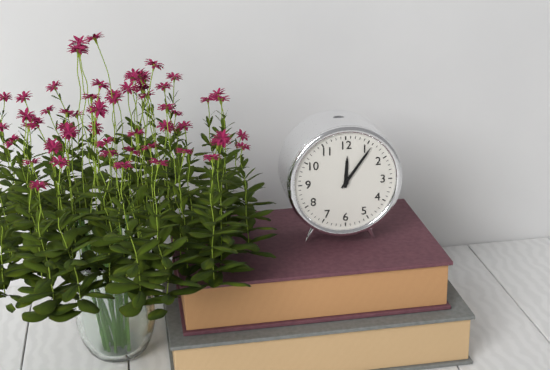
12.06
